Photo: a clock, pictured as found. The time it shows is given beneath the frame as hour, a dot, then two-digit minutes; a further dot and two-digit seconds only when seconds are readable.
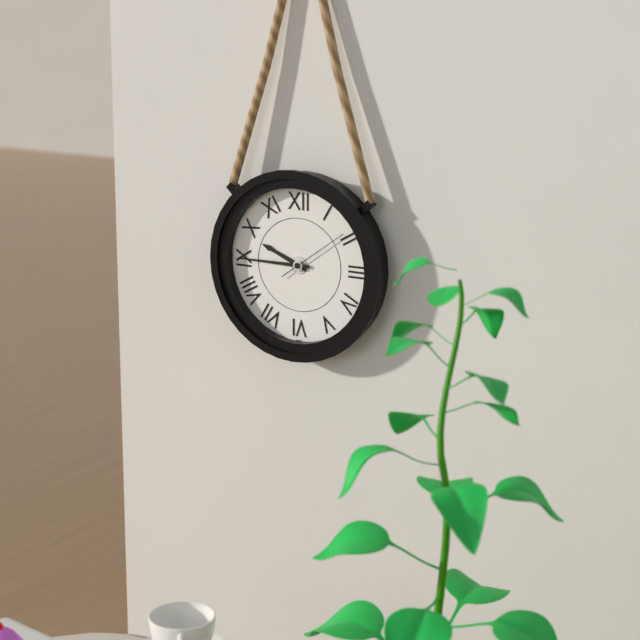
9.45.09
